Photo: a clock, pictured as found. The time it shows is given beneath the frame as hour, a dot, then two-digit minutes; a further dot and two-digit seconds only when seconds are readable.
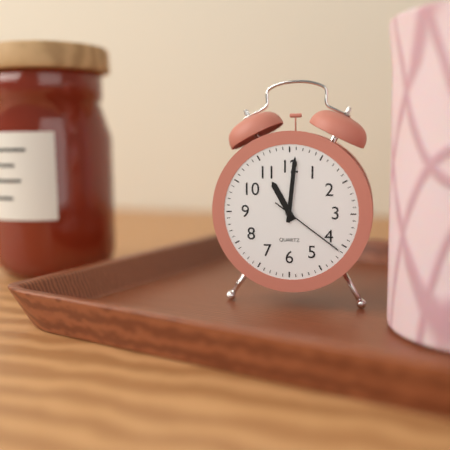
11.01.21
